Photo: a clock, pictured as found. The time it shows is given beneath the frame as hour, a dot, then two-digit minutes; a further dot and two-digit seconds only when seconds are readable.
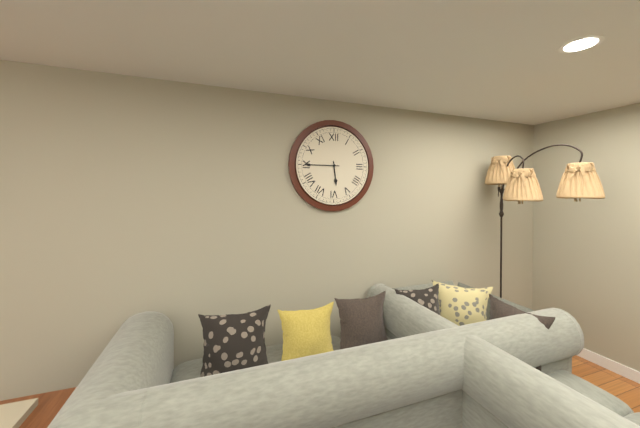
5.45
